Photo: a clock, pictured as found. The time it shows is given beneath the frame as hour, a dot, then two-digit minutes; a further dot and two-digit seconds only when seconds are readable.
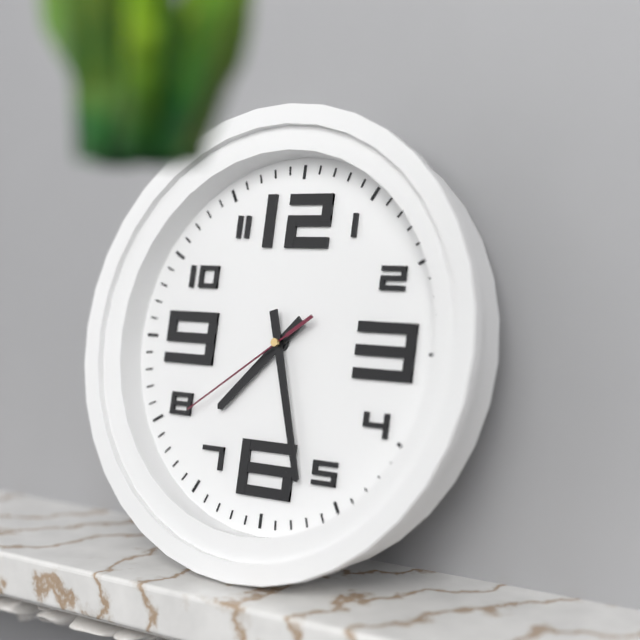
7.27.39
